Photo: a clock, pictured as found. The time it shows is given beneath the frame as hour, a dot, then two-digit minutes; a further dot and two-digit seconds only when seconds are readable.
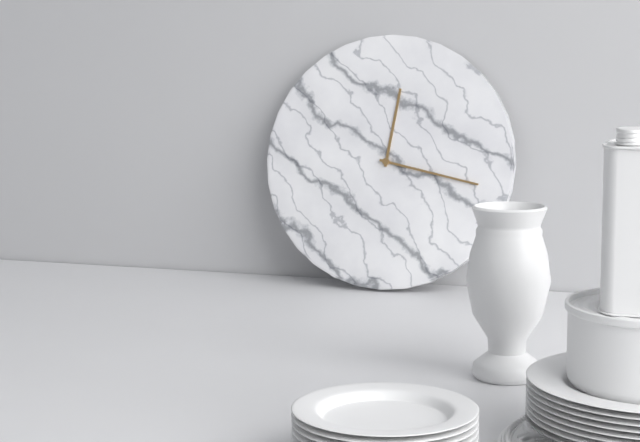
12.17
